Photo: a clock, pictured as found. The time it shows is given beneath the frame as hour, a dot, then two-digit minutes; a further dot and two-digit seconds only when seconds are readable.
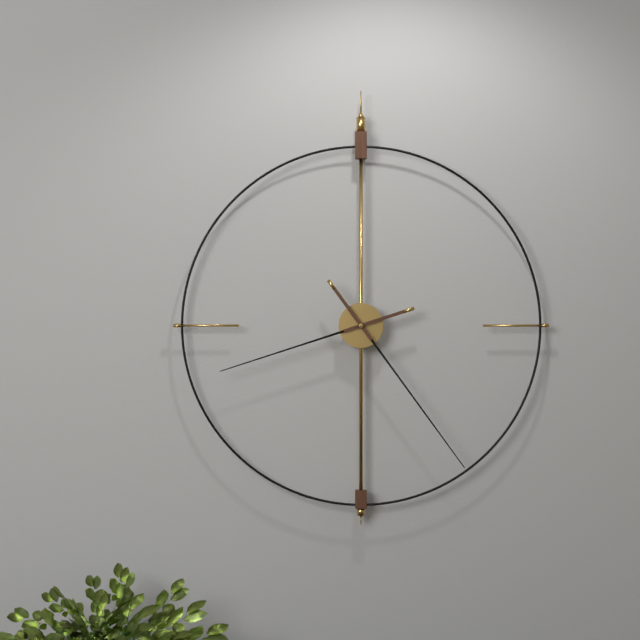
8.24
